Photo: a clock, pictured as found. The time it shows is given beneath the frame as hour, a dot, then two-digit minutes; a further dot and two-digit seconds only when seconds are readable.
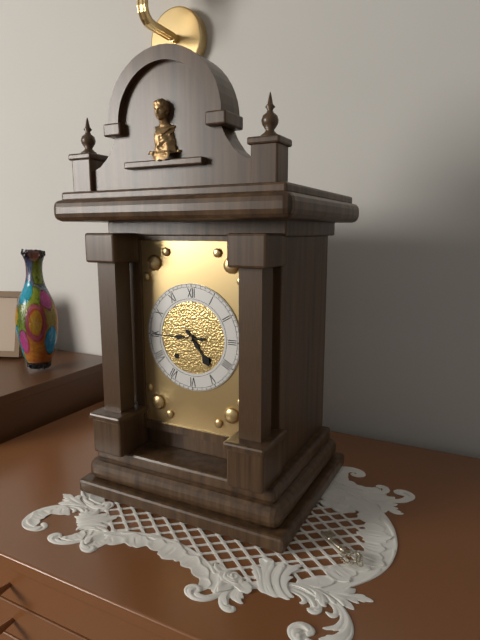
4.45
